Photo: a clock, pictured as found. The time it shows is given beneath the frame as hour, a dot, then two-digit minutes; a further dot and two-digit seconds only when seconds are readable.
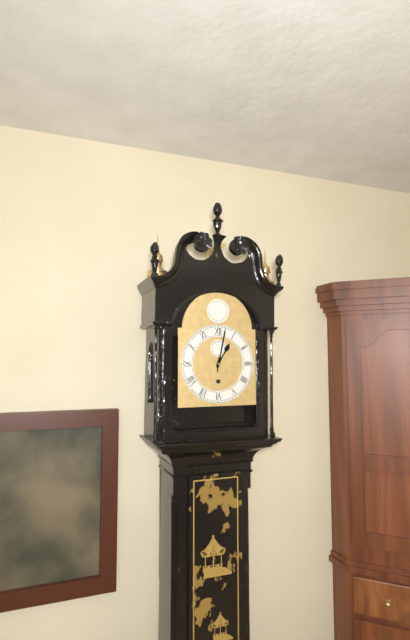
1.02
